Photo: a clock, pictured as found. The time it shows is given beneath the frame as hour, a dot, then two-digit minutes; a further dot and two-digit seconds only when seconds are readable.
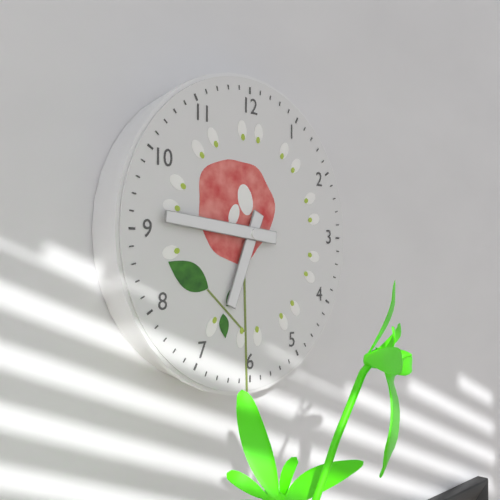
6.46
